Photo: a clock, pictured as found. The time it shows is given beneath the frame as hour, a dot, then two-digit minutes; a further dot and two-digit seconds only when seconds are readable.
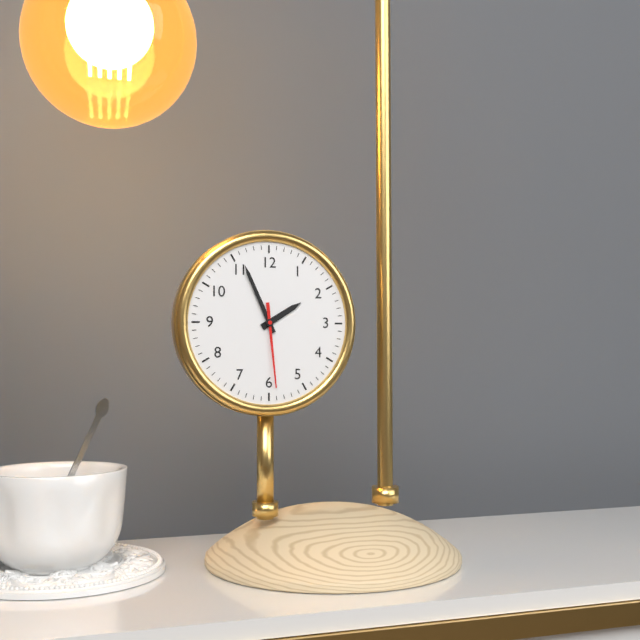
1.56.29
